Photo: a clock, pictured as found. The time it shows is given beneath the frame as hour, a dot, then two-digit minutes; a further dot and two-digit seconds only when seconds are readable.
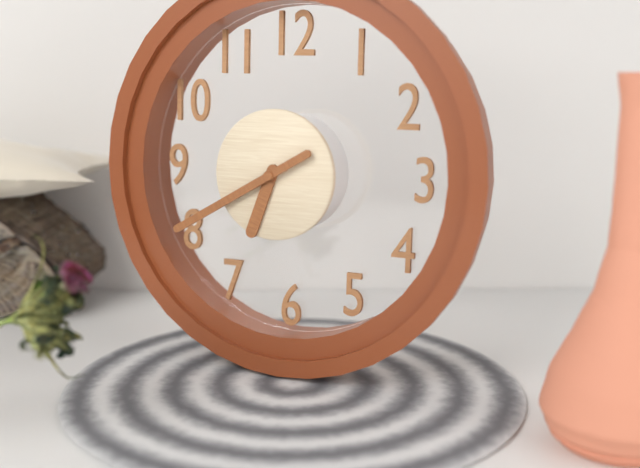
6.40
